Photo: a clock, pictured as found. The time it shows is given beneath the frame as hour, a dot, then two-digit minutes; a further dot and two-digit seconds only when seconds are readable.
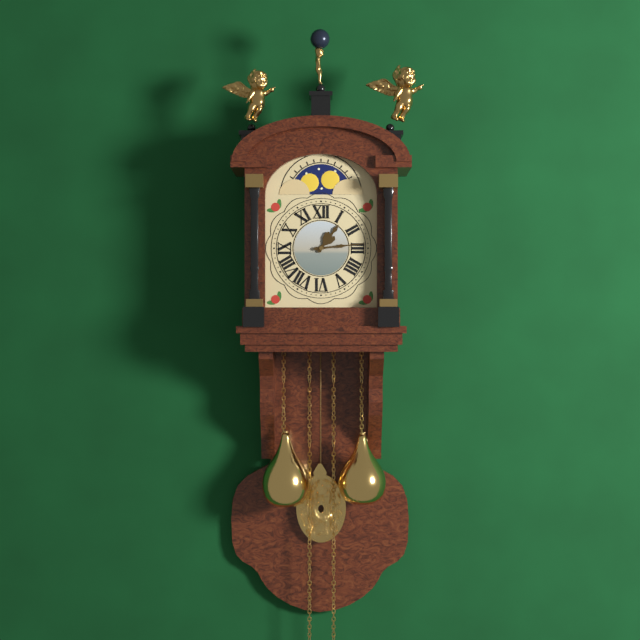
1.14
